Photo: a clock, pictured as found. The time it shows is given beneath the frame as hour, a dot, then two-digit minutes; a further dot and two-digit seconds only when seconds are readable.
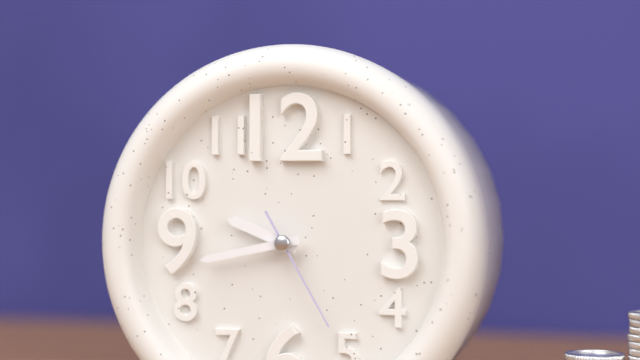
9.43.25
